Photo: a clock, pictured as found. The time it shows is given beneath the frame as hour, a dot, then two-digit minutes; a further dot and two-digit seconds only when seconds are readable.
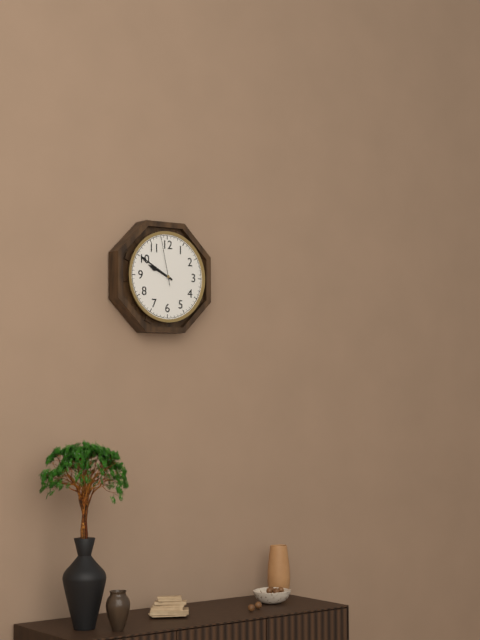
9.50.58
